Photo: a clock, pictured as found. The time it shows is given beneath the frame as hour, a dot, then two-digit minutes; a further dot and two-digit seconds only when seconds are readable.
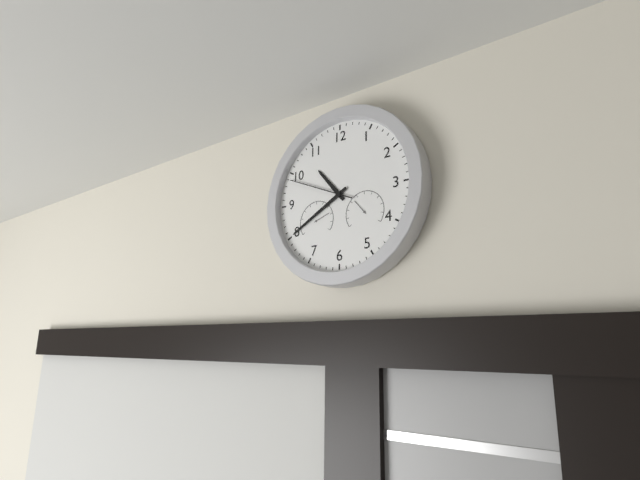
10.40.49
